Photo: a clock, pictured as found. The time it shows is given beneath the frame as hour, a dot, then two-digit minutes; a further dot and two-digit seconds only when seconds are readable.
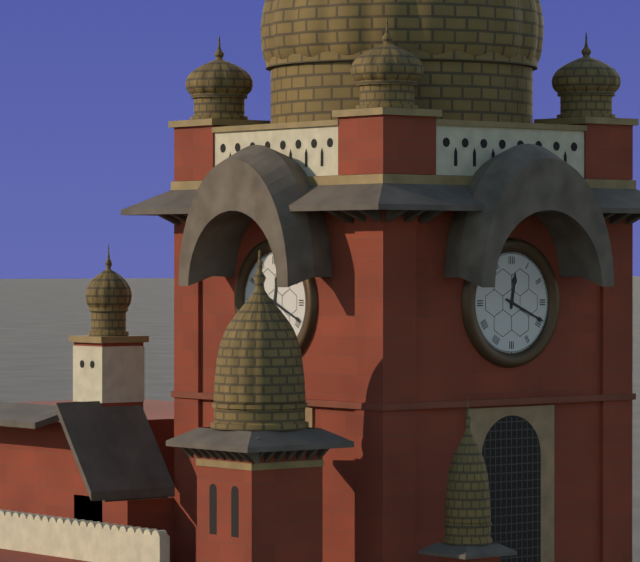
12.19
